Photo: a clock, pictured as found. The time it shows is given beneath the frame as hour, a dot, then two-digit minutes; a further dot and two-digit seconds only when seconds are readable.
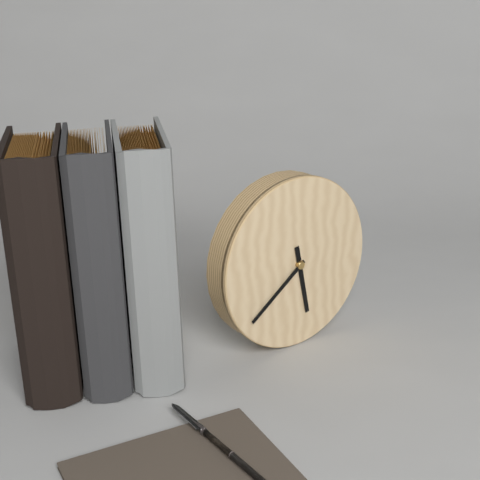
5.39
